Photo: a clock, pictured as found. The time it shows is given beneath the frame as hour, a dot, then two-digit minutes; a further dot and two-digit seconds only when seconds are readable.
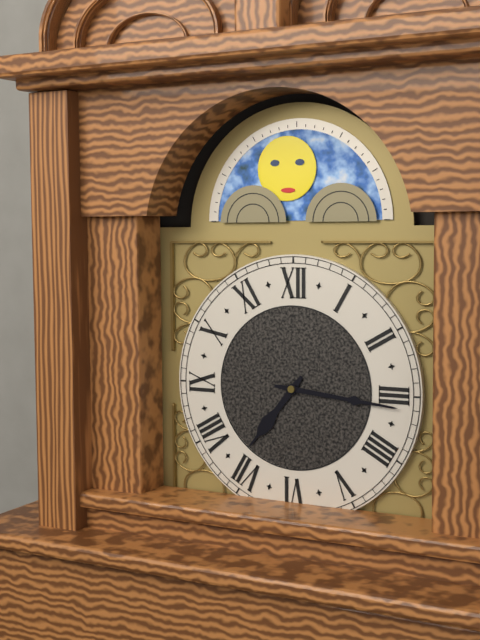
7.16
